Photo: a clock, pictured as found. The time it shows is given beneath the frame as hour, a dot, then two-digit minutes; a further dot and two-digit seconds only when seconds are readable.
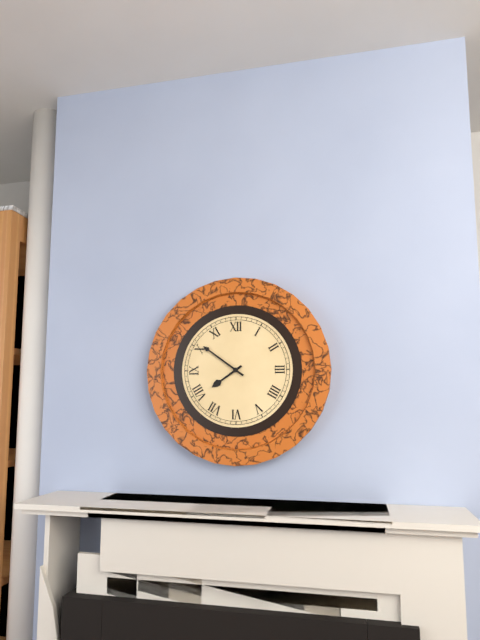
7.51
